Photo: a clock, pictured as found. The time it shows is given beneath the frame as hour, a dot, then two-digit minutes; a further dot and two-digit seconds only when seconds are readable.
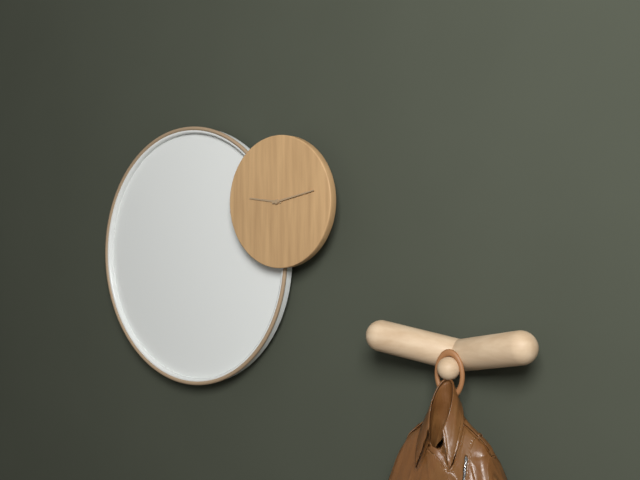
9.13
